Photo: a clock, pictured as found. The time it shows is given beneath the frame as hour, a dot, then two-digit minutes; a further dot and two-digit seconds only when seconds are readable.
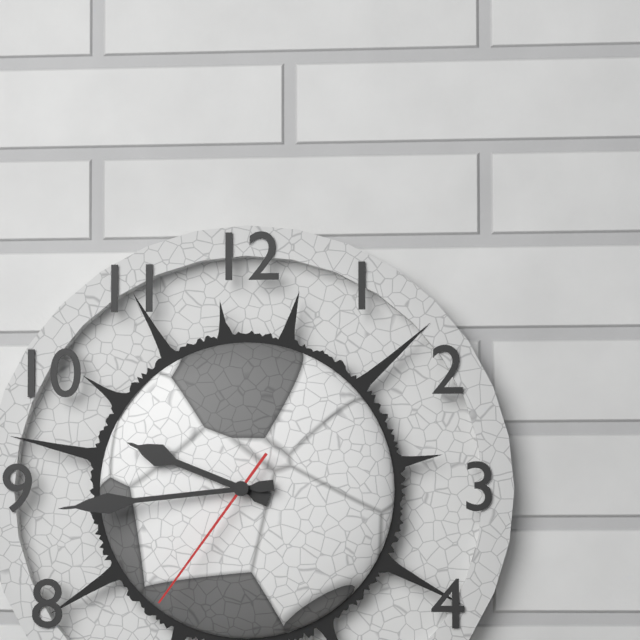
9.44.36
